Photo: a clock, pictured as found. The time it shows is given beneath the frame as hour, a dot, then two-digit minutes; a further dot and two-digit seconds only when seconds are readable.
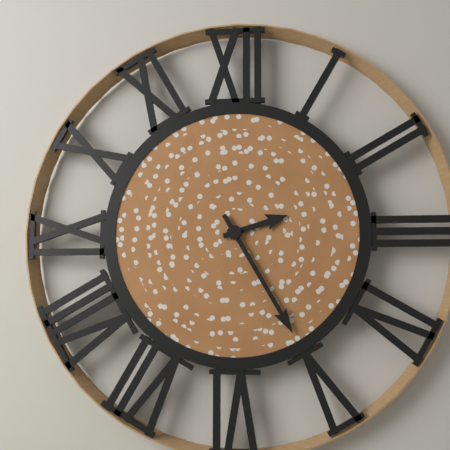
2.25
